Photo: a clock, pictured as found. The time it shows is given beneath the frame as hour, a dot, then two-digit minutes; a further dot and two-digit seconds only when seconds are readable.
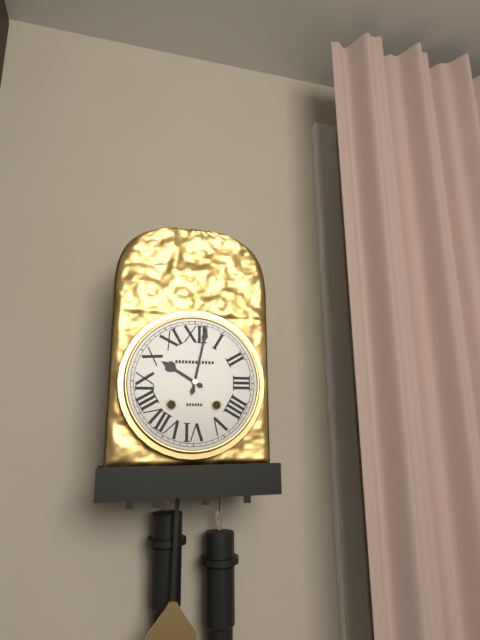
10.02
